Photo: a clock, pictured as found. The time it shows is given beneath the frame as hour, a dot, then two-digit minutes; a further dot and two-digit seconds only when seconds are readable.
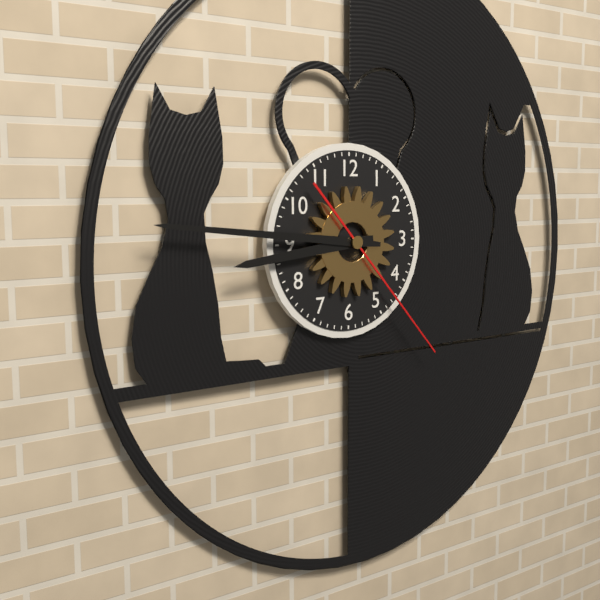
8.46.23
